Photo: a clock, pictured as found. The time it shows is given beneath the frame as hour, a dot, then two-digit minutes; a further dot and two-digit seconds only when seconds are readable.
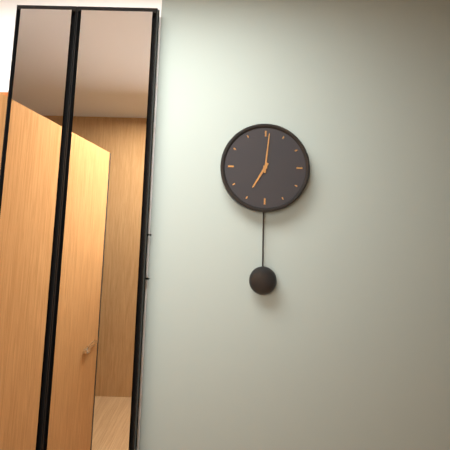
7.01
